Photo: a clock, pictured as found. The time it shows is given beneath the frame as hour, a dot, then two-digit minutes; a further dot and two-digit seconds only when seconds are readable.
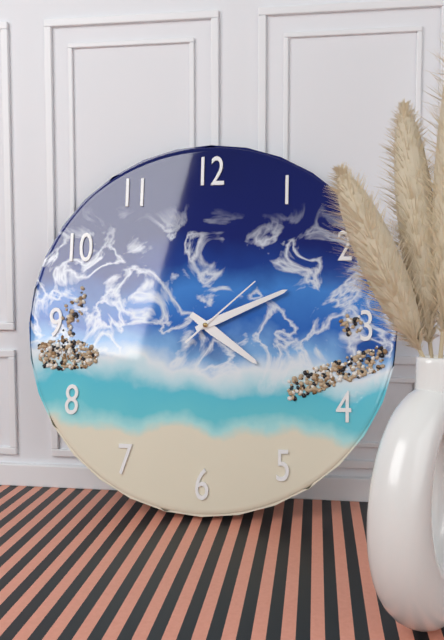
4.11.08
